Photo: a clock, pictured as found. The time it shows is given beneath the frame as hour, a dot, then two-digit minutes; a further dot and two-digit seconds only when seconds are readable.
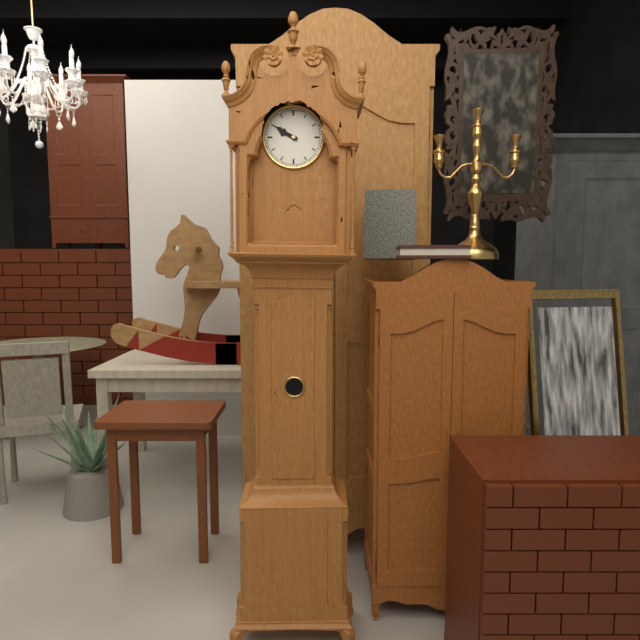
9.50
